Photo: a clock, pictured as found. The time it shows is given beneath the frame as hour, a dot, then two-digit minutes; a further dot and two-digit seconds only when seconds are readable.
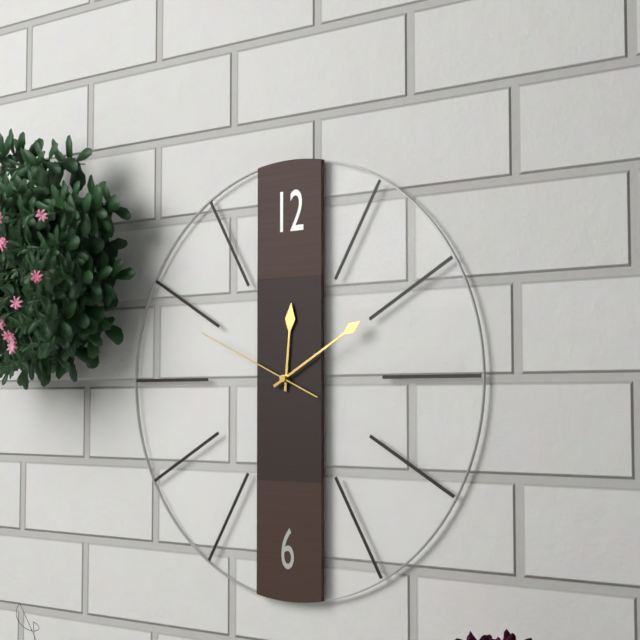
12.10.49
